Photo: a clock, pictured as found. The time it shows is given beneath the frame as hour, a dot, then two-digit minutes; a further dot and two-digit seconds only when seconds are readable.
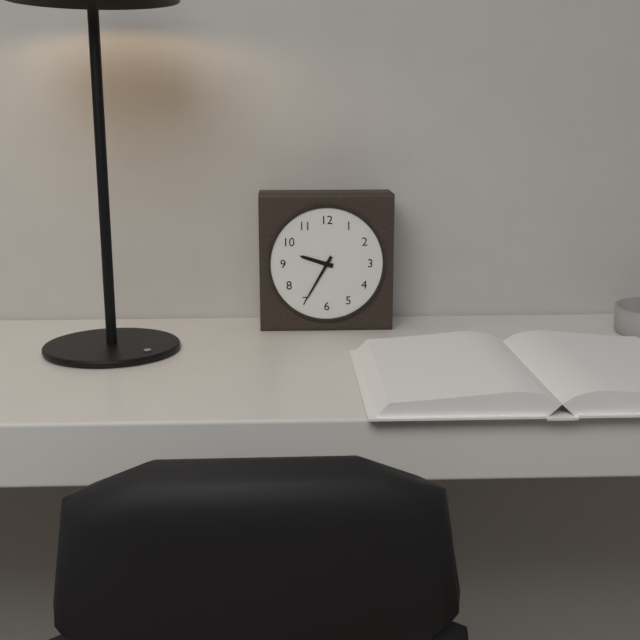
9.35
